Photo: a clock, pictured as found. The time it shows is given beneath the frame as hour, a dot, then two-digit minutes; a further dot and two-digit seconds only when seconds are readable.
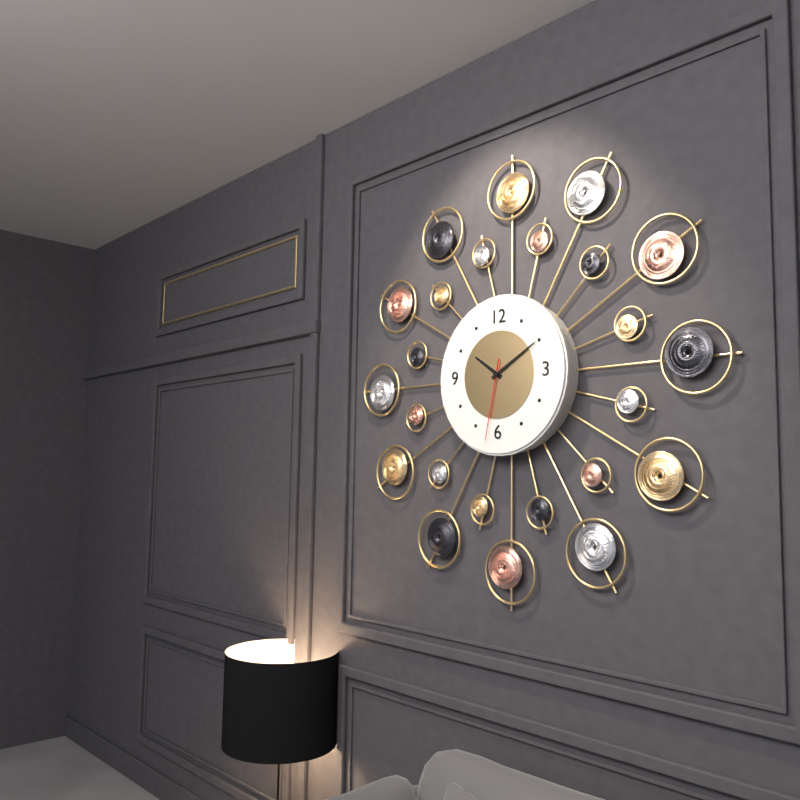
10.10.32
